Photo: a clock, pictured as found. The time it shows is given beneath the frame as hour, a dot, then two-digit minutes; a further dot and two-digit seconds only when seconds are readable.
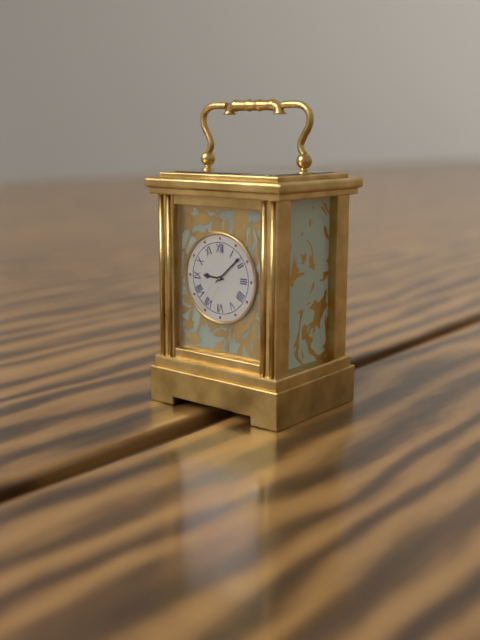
9.08
